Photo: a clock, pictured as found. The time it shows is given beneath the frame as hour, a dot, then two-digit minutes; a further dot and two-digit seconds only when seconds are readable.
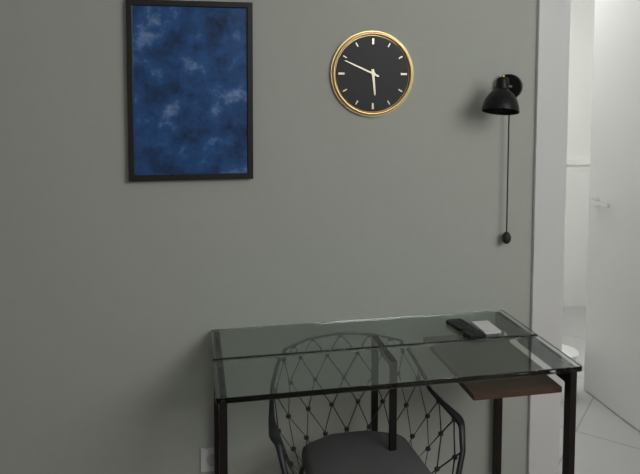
5.49
